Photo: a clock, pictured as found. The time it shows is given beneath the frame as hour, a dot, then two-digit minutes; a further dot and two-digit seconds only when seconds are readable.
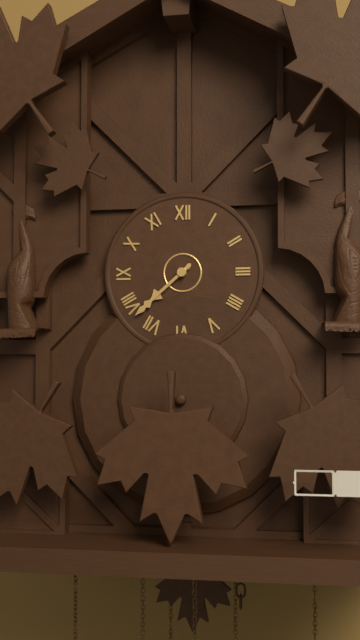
7.38
